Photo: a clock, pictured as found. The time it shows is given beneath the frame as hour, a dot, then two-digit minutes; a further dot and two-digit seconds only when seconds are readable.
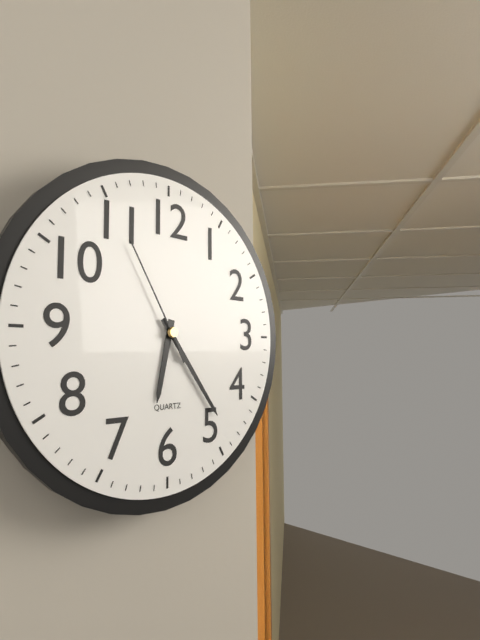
6.24.55
